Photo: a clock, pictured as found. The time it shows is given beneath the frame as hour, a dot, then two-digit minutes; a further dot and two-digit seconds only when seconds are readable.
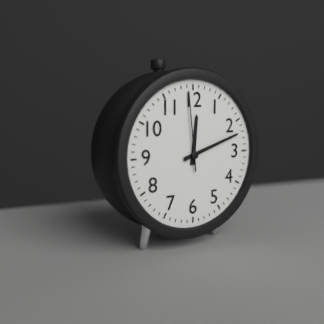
12.12.59
